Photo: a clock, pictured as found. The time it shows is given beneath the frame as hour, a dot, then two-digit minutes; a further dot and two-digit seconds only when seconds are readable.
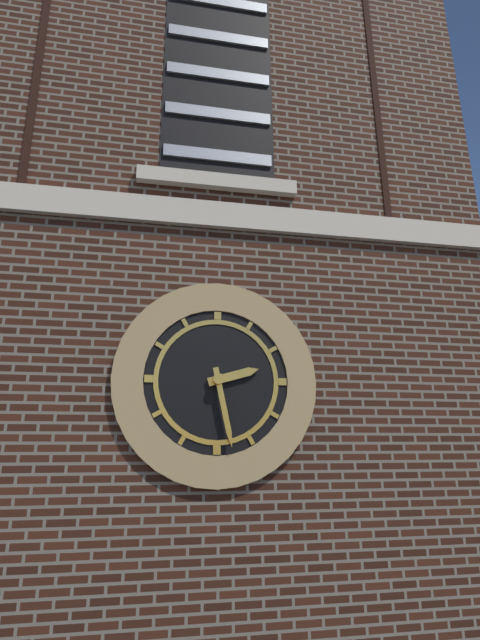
2.28
